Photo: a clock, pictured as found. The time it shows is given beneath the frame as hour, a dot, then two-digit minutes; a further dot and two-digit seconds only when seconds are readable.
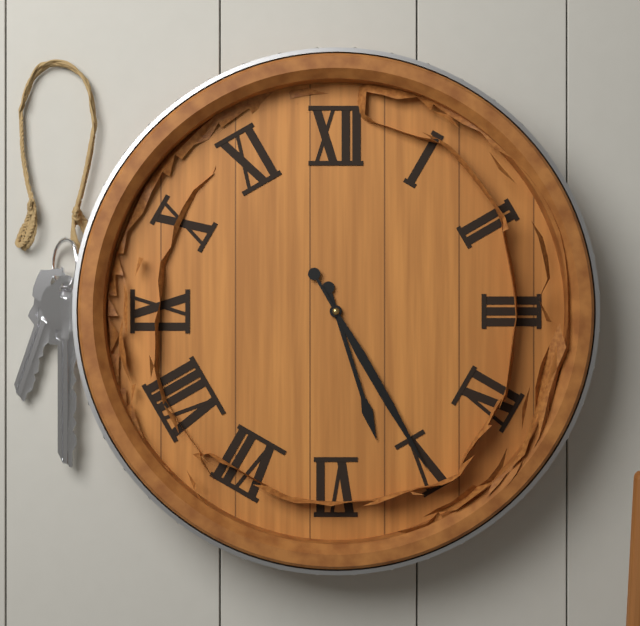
5.25
